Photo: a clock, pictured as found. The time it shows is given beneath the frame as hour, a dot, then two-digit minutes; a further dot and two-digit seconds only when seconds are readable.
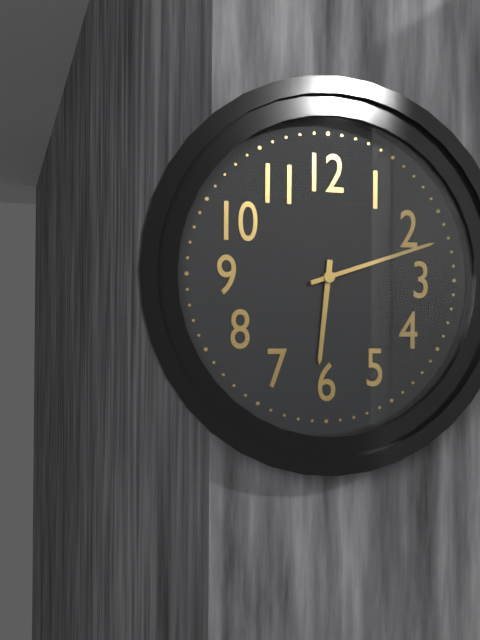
6.12
